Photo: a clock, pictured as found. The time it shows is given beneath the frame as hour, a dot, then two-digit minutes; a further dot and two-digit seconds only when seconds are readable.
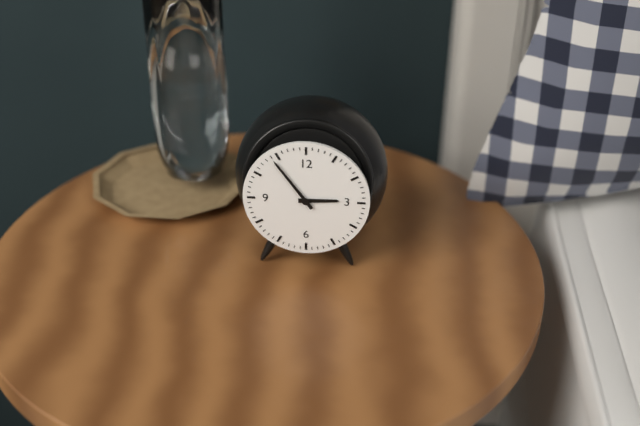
2.54
